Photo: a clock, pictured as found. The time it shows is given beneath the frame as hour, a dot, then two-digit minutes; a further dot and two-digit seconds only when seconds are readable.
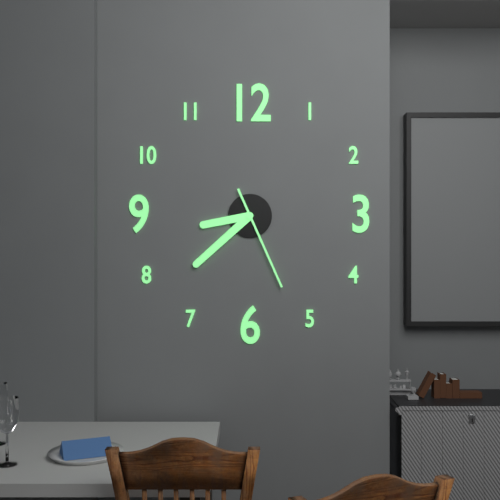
8.38.26
